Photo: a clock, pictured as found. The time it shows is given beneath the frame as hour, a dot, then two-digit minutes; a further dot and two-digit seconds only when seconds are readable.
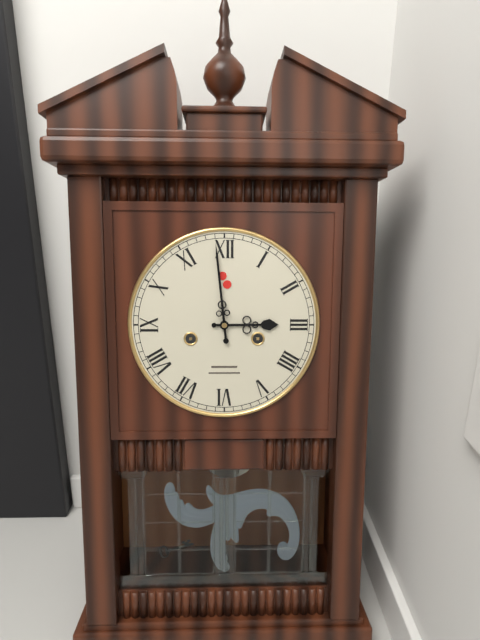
2.59
